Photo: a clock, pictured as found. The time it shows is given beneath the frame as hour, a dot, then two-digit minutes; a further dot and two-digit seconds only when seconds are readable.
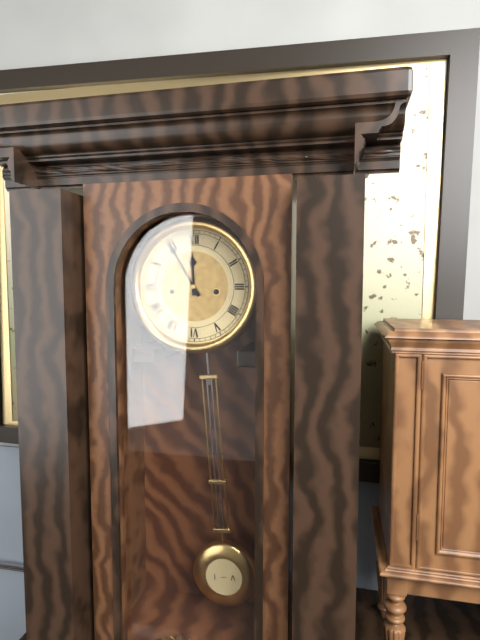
11.55
